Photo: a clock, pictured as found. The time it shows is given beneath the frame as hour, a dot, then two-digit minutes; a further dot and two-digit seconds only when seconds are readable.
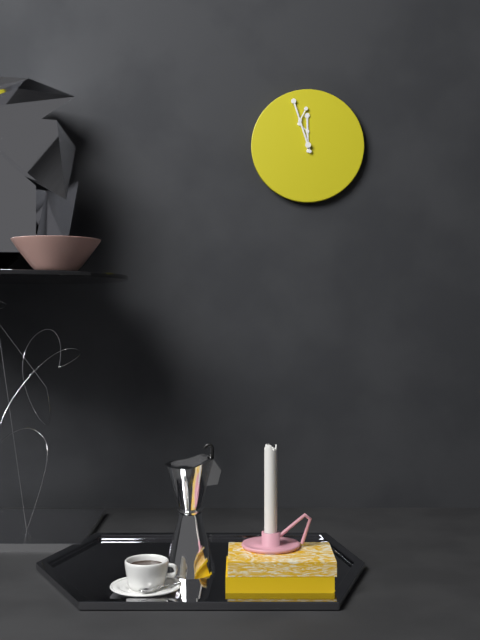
11.57
